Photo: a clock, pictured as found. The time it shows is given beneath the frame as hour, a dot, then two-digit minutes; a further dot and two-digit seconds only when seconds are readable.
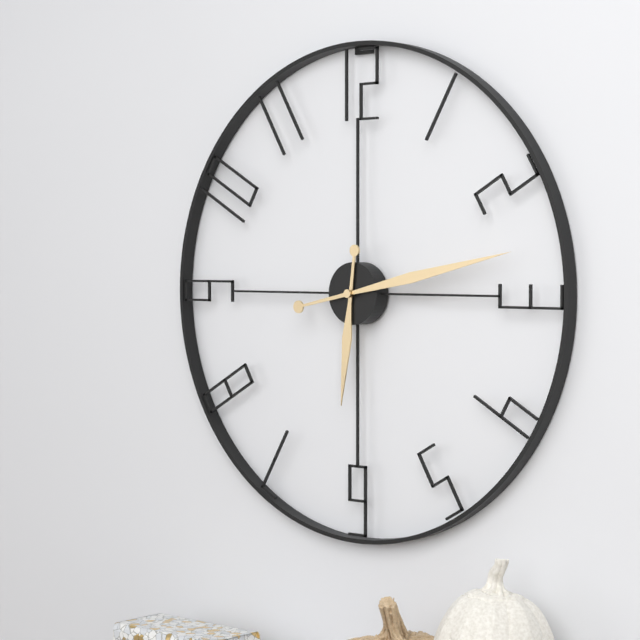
6.13
